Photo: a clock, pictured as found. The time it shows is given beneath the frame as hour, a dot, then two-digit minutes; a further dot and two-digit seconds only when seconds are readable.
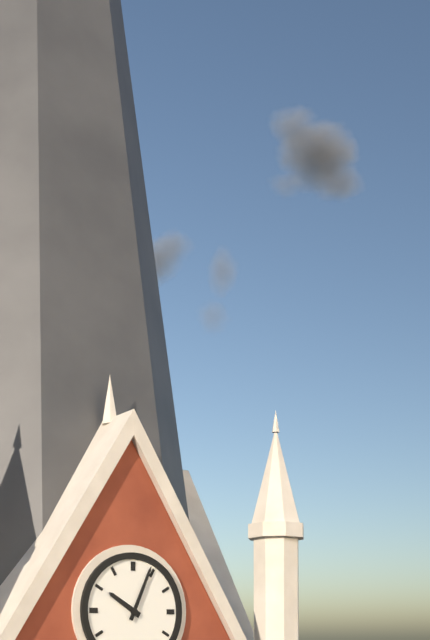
10.04
